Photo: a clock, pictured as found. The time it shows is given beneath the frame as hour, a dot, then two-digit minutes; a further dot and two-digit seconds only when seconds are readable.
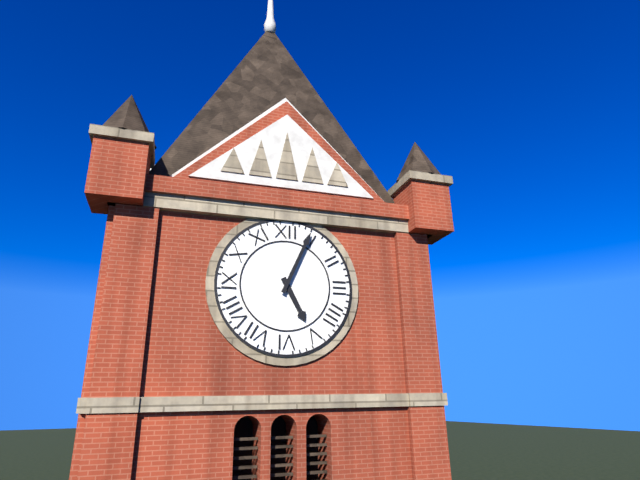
5.04
